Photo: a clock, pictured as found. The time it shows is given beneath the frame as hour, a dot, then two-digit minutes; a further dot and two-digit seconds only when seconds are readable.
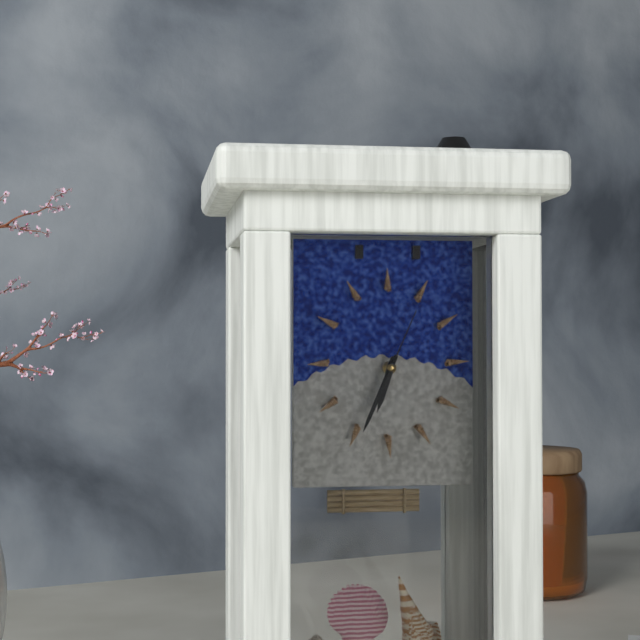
6.34.04
